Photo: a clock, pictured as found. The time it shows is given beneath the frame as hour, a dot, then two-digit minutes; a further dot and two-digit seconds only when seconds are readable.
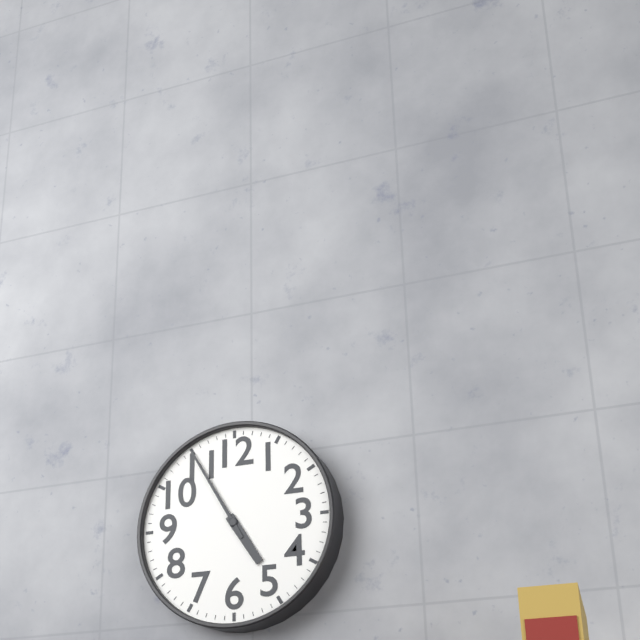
4.55
